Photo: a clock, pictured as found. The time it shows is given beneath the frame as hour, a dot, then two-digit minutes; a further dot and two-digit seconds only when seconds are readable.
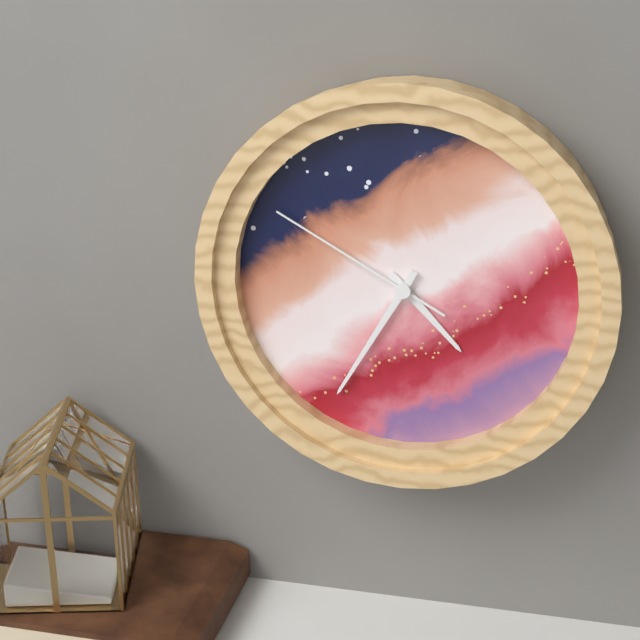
4.35.50
